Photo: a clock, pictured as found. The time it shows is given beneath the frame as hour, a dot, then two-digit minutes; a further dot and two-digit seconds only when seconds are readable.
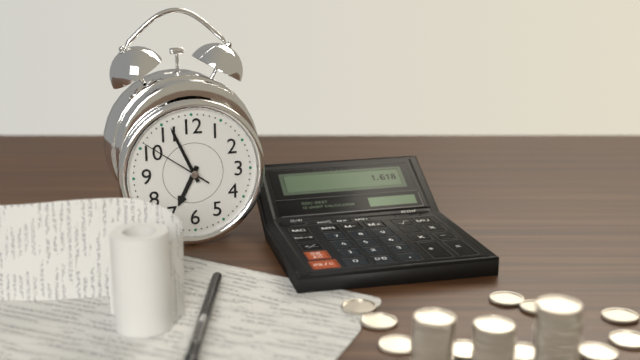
6.56.51
